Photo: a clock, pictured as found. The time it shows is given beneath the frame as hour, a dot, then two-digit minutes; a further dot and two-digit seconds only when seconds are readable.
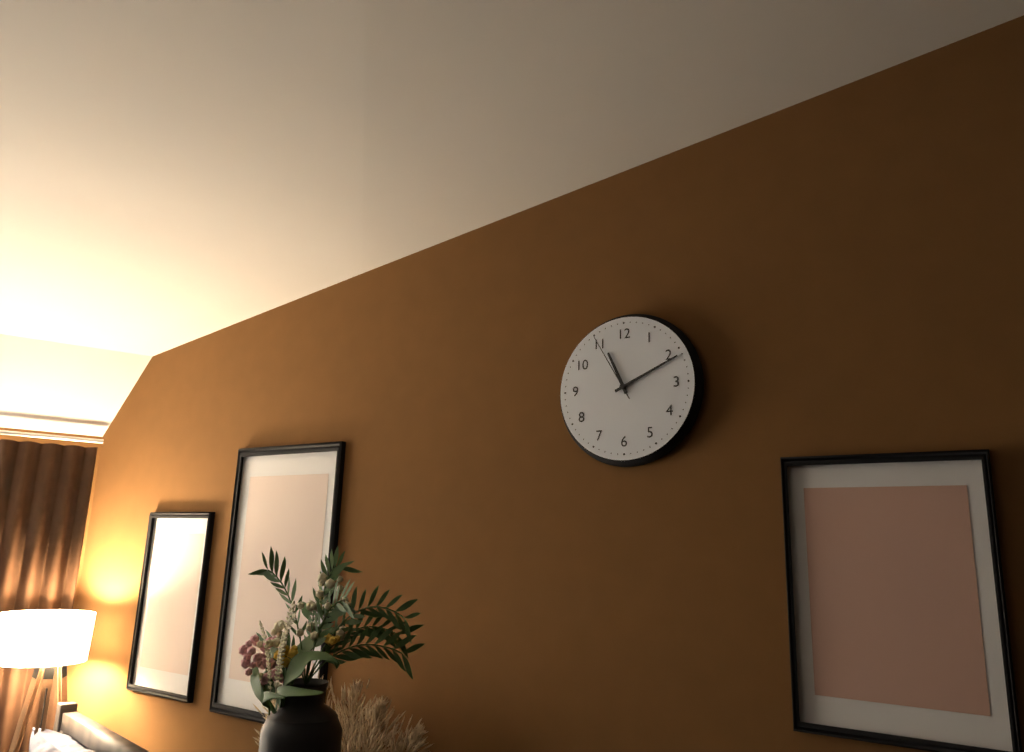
11.11.55
